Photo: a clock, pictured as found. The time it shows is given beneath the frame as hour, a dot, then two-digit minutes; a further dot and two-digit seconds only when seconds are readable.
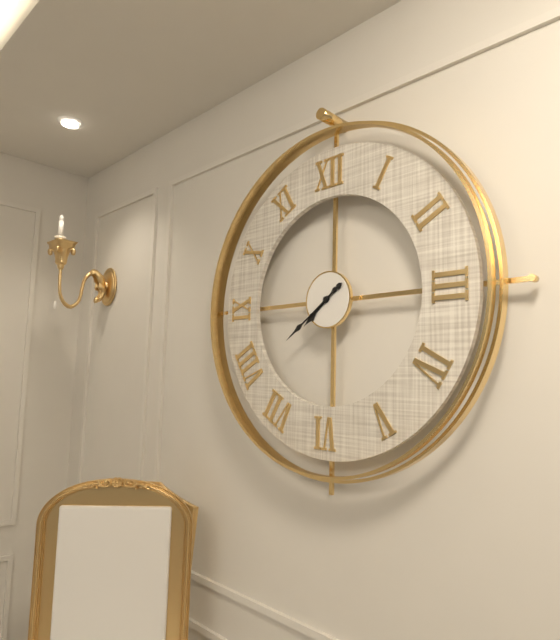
7.39
